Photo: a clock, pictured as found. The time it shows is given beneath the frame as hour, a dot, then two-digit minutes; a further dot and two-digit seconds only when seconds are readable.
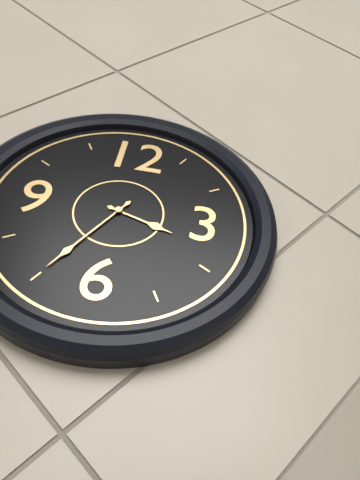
3.35
